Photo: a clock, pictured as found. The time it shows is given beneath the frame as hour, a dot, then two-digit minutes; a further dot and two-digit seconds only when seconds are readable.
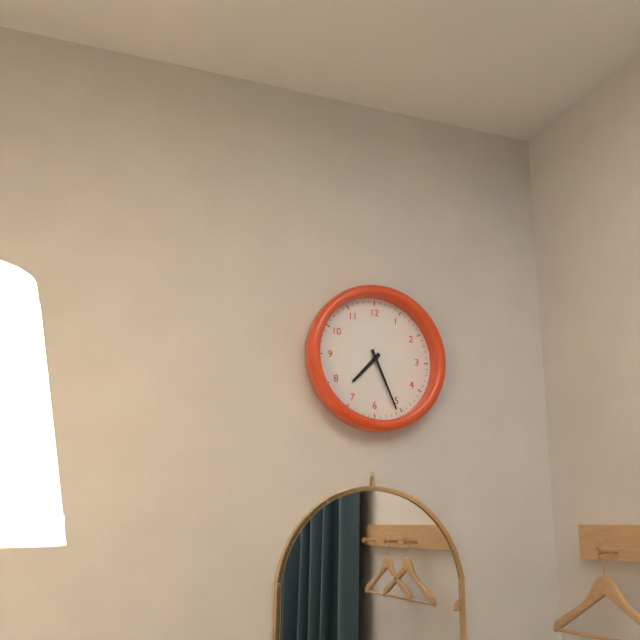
7.26
